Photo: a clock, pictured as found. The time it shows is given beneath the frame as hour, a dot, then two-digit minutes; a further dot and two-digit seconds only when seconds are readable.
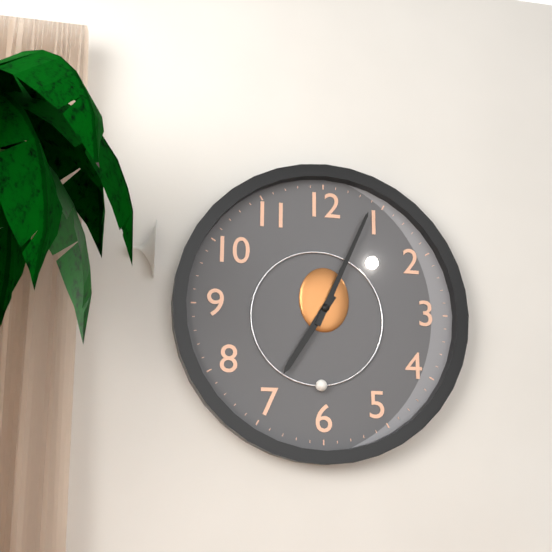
7.04
